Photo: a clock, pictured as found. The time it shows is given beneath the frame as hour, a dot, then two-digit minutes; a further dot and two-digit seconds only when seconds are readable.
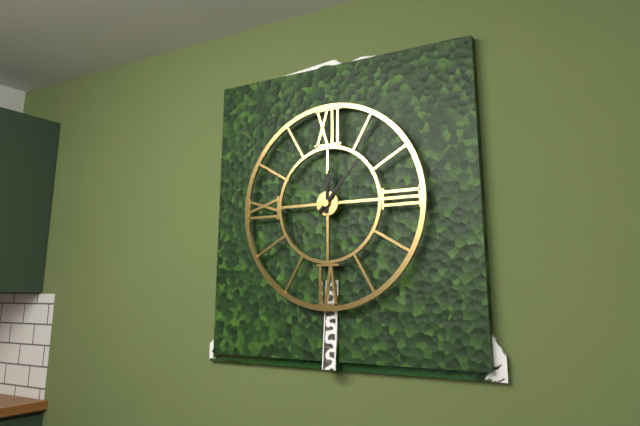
12.07
